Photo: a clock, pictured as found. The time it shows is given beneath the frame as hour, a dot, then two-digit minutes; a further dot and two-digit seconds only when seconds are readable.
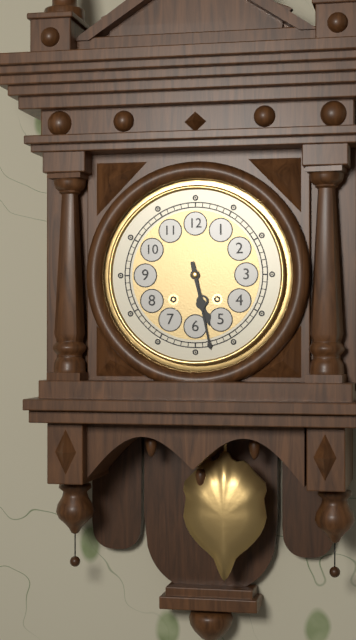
5.28
